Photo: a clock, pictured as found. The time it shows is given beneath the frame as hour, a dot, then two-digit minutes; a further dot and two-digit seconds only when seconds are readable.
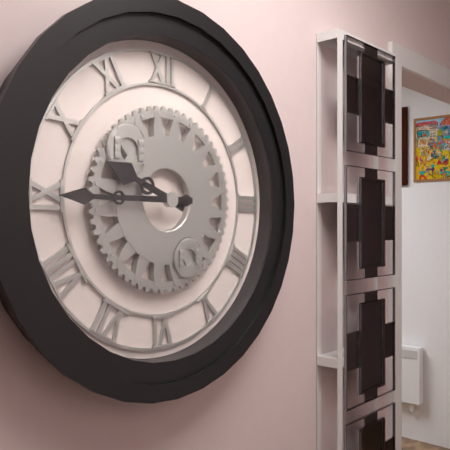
9.45
